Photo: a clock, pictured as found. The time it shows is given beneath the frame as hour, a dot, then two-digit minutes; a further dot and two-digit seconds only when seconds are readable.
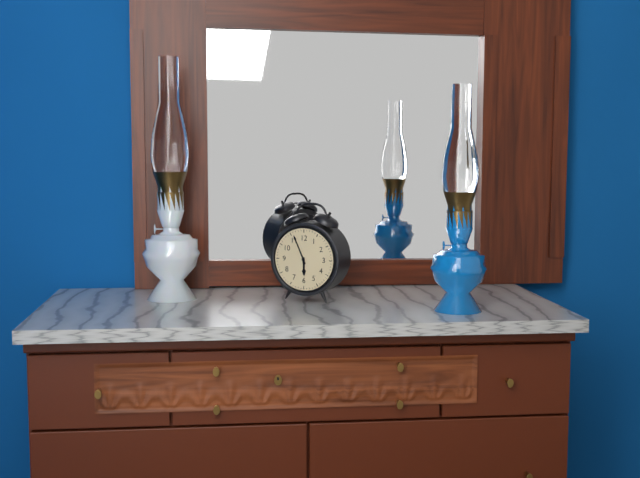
5.56
